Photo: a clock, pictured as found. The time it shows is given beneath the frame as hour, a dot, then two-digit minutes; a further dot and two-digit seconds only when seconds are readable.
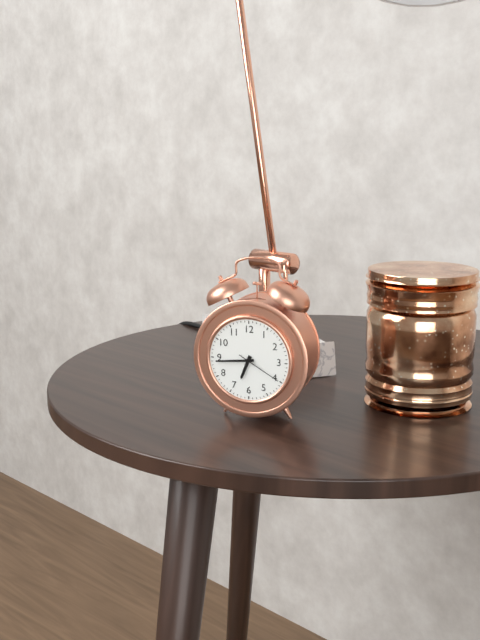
6.44
